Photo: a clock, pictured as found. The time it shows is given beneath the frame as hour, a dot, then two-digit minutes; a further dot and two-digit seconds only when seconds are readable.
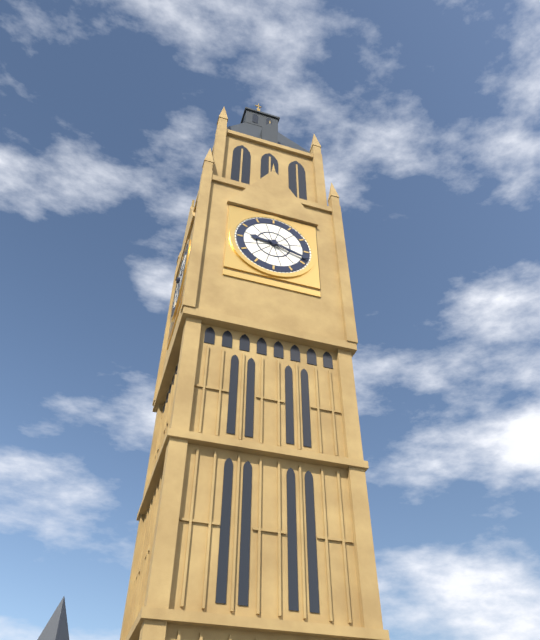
9.18
